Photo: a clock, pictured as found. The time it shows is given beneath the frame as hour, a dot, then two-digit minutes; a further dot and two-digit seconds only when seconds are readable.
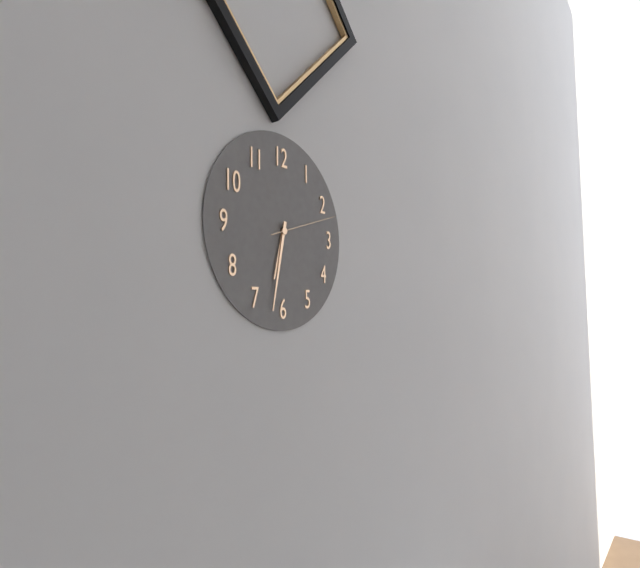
6.32.12
